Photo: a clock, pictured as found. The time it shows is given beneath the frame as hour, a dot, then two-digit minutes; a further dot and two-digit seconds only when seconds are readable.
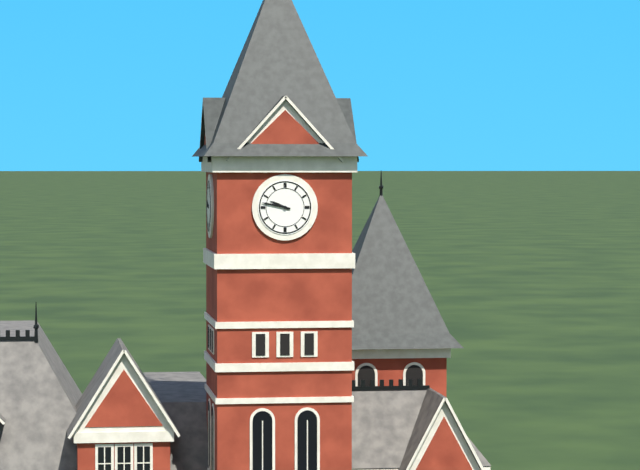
9.47
